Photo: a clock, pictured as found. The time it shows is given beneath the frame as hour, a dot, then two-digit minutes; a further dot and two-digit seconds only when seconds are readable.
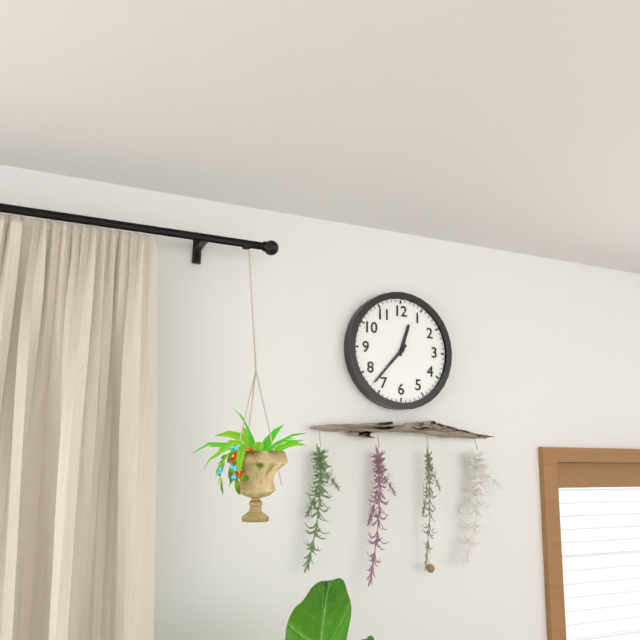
12.37
